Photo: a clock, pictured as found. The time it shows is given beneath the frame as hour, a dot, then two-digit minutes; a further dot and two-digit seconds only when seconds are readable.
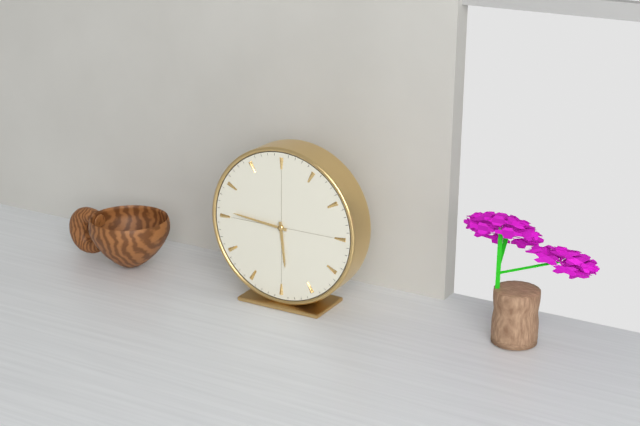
5.46
